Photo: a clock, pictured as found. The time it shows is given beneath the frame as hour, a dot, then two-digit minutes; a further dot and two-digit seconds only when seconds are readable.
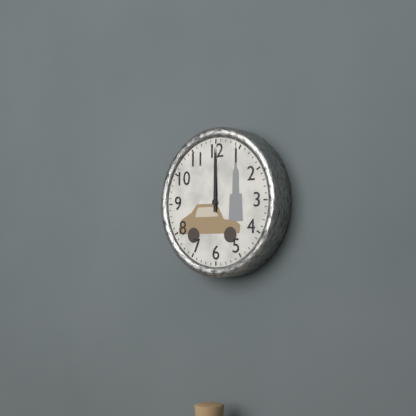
12.00
